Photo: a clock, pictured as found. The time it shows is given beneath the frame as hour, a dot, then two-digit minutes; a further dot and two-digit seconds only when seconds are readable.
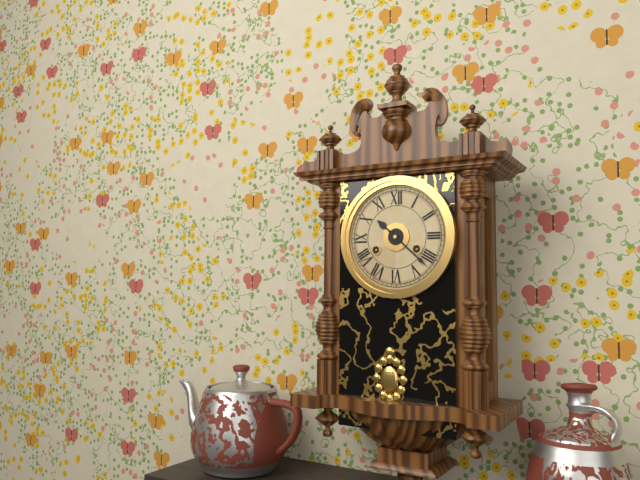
10.22
